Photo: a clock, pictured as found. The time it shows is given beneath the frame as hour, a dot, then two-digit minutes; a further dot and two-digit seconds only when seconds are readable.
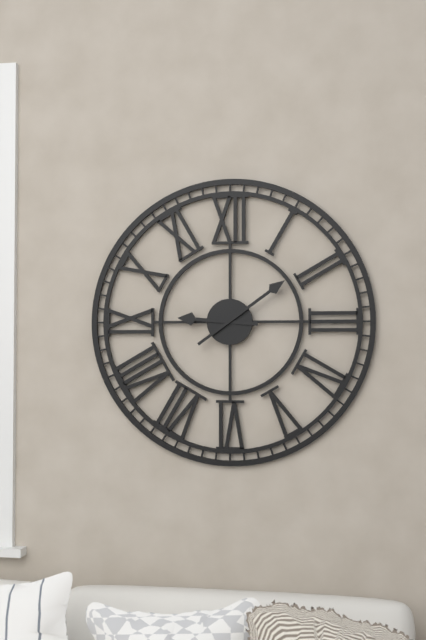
9.09
